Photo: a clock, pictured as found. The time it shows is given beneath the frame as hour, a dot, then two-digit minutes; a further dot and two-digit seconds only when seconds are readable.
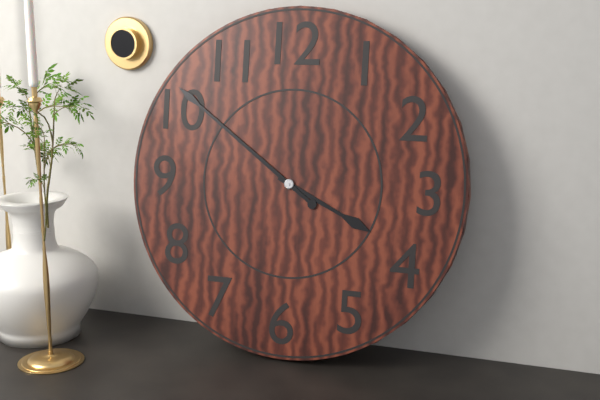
3.51
